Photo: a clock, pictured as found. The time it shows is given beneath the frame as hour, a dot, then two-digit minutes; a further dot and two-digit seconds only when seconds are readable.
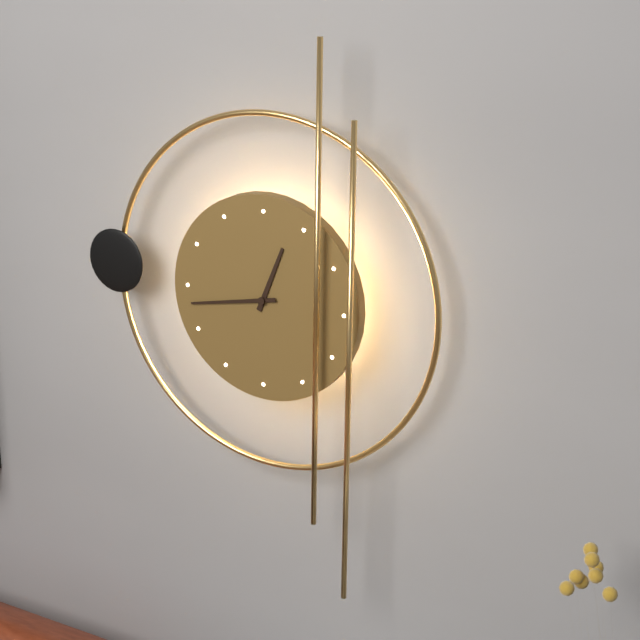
12.43
